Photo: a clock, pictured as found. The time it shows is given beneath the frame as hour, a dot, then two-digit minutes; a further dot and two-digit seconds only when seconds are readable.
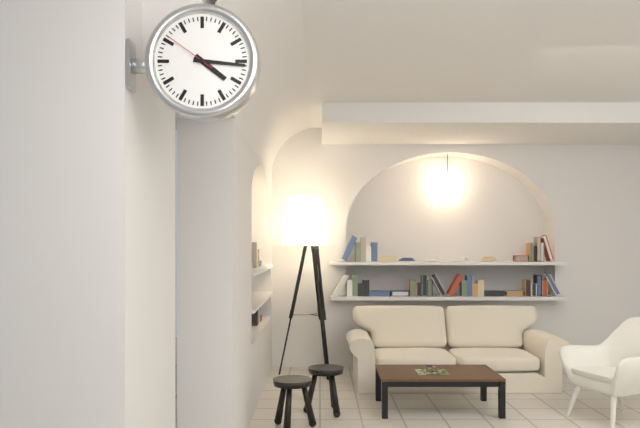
4.16.51
